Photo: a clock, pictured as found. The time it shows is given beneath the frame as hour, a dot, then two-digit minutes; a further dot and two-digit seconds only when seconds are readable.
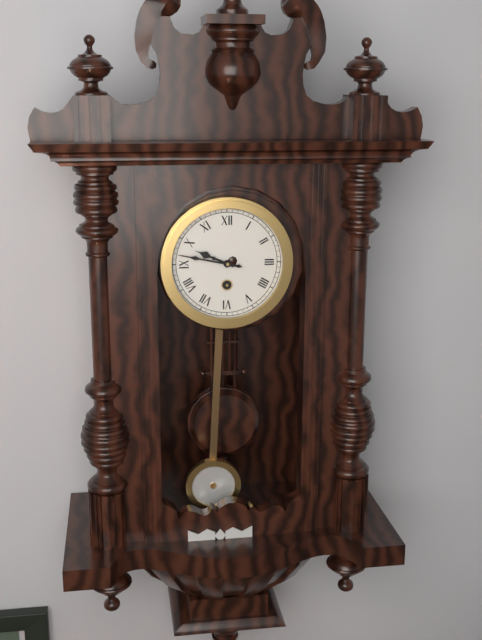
9.47
